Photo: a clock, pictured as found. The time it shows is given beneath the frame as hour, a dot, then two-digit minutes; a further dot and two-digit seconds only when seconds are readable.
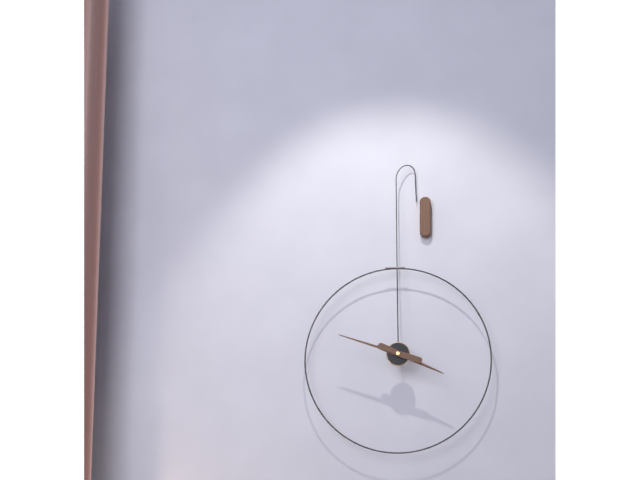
3.48
